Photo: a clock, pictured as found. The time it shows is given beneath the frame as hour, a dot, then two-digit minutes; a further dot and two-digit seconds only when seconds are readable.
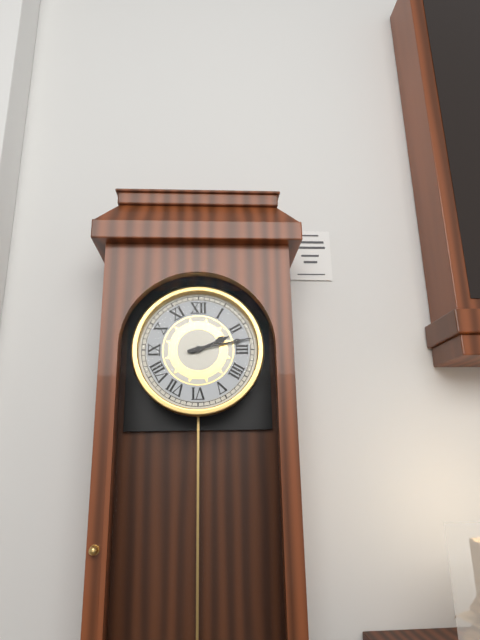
2.13
